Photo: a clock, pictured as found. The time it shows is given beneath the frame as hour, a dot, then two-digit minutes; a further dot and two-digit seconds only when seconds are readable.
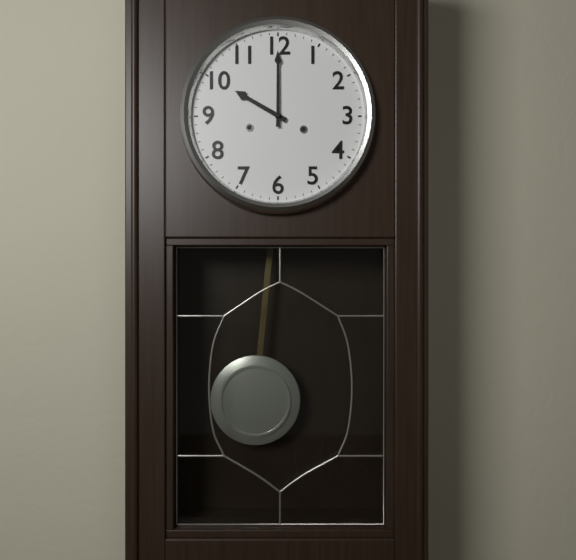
10.00
